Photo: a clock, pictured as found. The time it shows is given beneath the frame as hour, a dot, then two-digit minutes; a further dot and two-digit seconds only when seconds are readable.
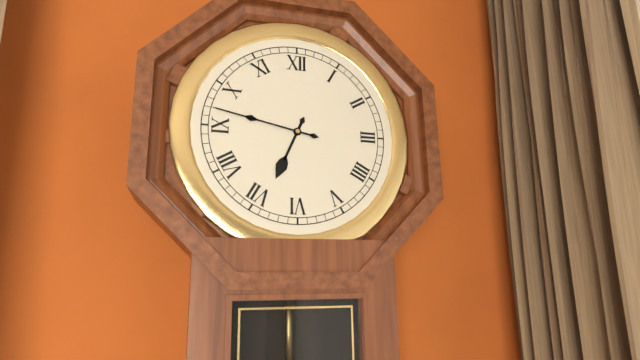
6.47
